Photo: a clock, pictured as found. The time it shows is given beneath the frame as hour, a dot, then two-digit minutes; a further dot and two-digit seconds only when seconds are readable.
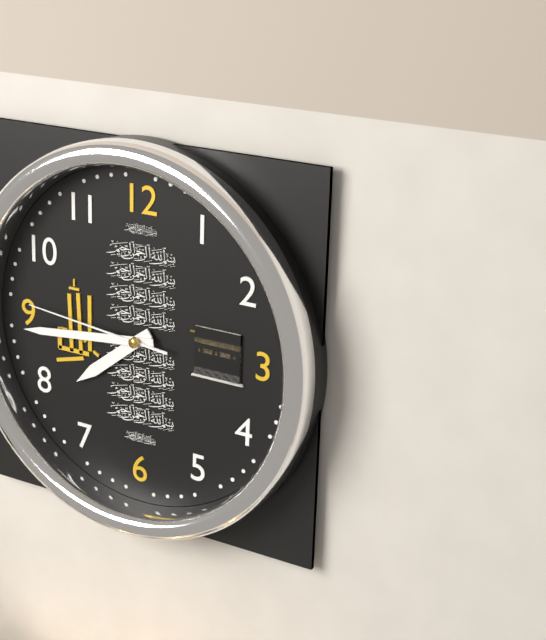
7.44.46
